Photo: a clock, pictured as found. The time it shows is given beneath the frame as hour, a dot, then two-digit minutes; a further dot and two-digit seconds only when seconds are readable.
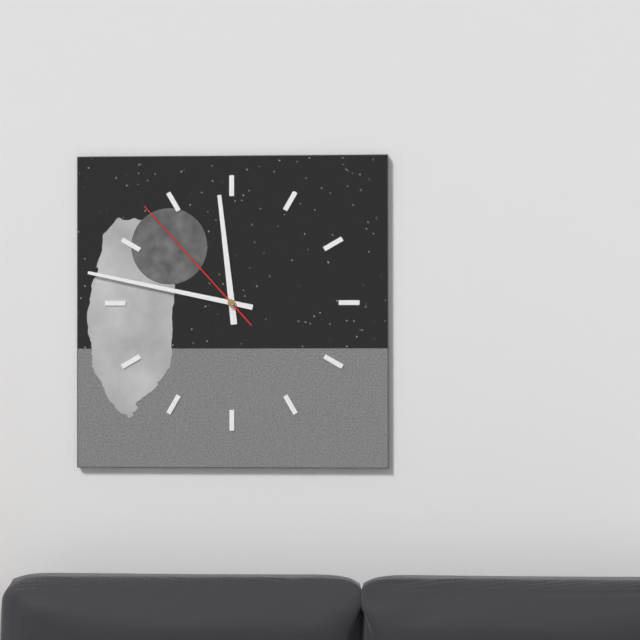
11.47.53
